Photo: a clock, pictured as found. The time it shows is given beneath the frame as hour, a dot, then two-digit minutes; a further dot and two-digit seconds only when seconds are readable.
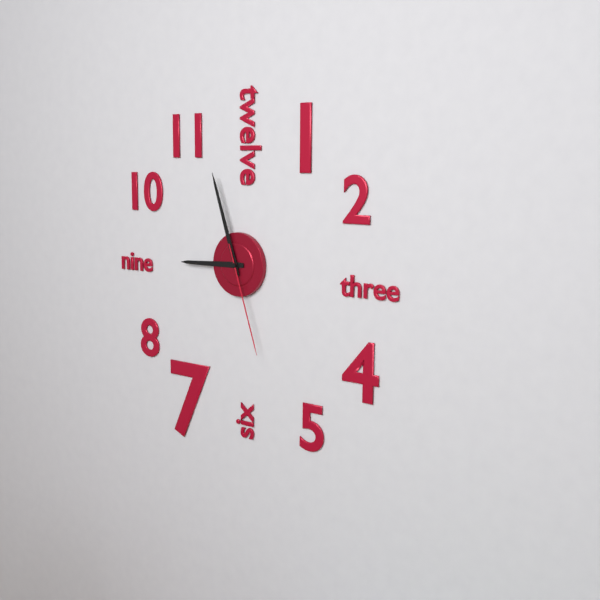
8.57.27
